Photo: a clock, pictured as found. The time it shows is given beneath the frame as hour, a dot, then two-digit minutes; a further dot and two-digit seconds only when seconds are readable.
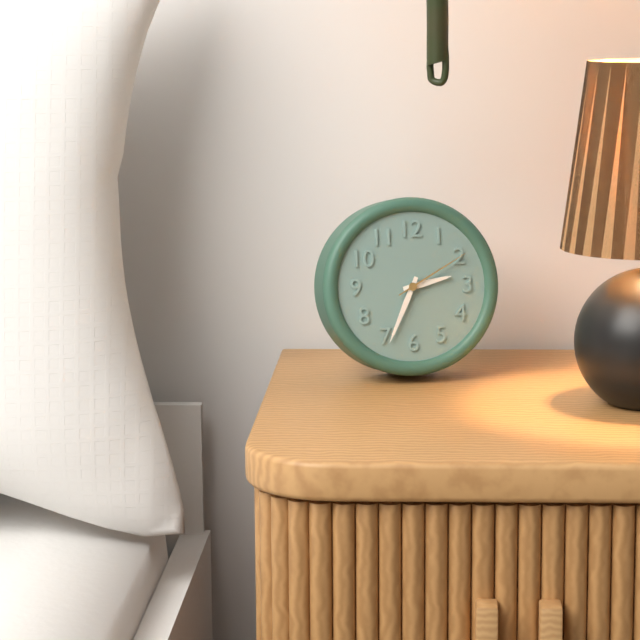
2.34.10
